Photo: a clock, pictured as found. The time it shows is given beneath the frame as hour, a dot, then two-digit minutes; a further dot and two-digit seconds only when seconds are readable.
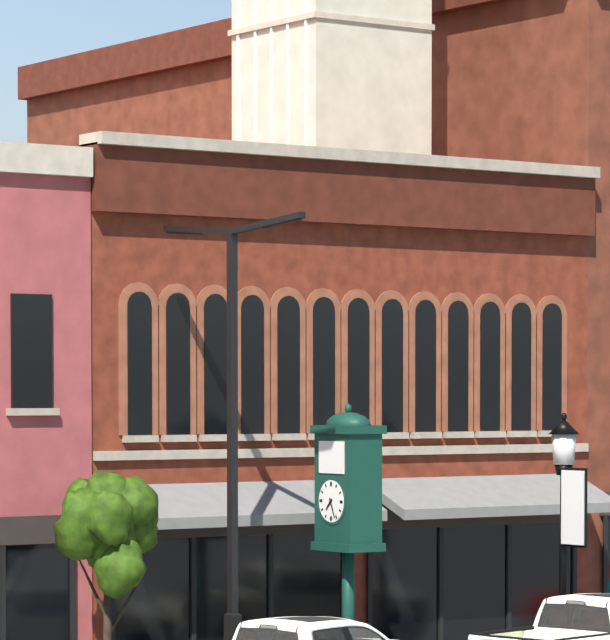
7.26
